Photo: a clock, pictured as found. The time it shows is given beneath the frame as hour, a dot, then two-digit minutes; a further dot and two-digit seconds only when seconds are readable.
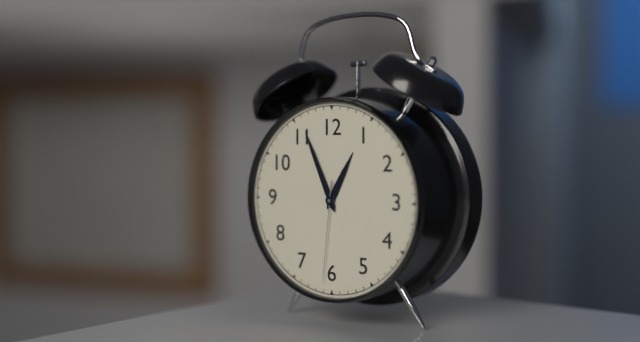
12.56.31
